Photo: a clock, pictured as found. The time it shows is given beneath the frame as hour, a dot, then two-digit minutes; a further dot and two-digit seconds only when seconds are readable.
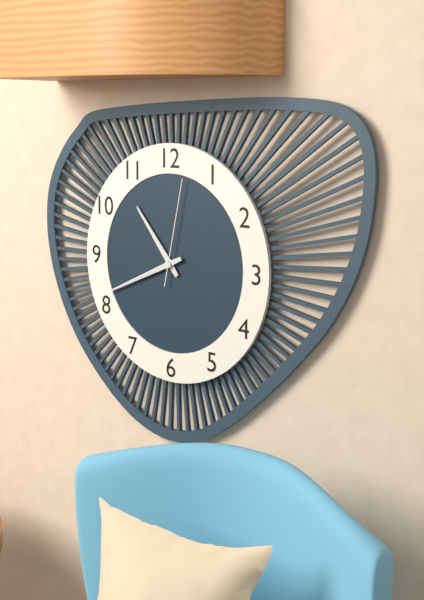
10.41.02
